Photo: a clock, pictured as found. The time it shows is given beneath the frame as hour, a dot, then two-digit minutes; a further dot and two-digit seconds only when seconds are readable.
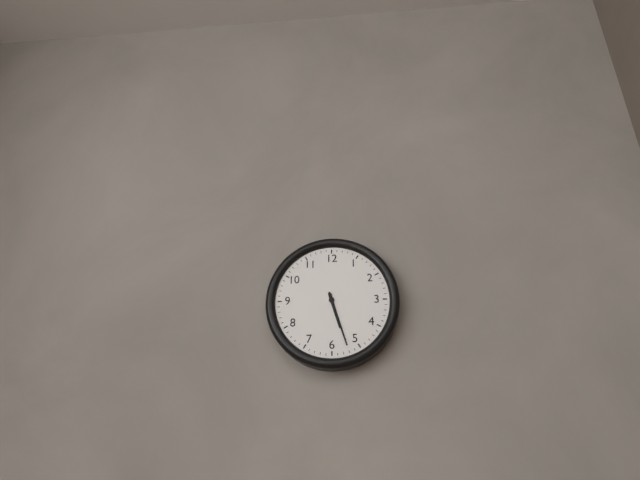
5.27
